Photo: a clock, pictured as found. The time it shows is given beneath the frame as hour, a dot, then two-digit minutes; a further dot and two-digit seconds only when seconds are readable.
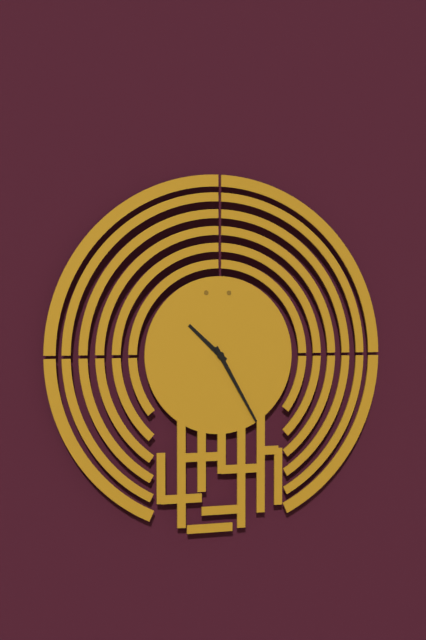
10.25
